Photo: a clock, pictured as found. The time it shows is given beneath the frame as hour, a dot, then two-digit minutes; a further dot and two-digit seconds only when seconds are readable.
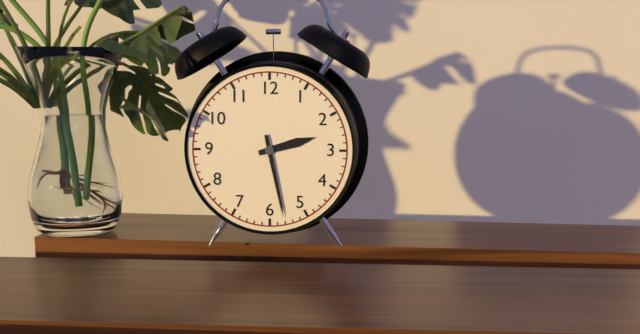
2.28
